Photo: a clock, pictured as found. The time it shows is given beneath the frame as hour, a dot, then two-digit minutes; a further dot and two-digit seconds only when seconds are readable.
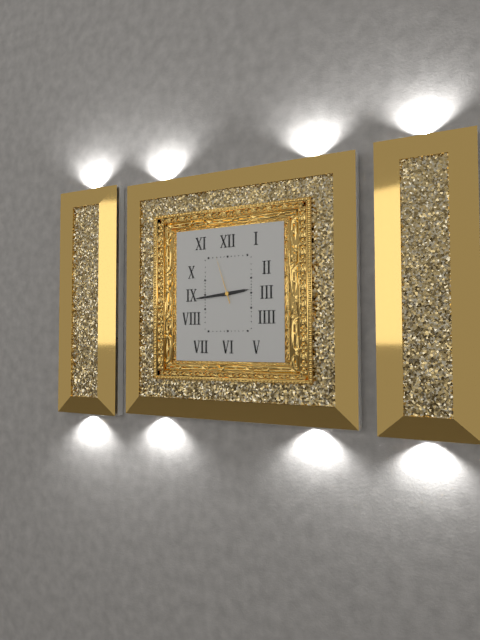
2.44
